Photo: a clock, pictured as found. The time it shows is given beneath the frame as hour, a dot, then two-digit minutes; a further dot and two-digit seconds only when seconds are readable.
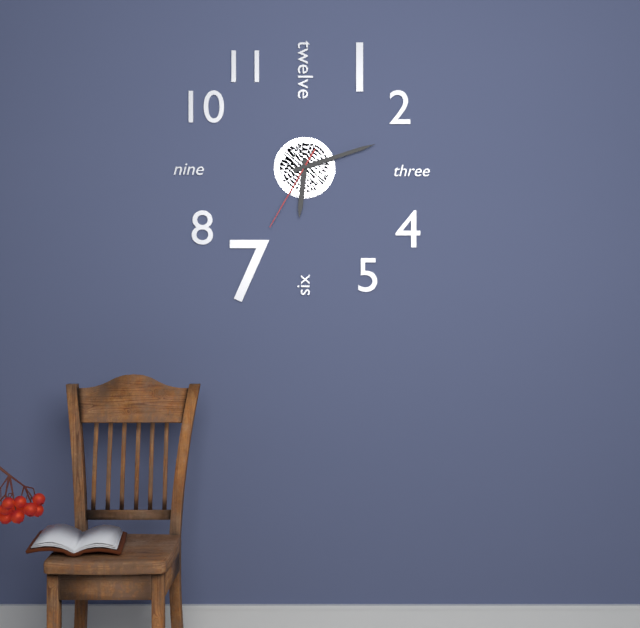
6.12.35
